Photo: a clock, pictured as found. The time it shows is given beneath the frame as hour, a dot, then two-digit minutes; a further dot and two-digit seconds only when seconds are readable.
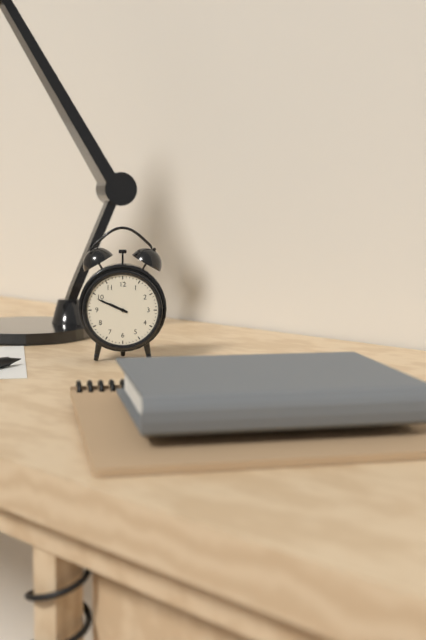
9.49
